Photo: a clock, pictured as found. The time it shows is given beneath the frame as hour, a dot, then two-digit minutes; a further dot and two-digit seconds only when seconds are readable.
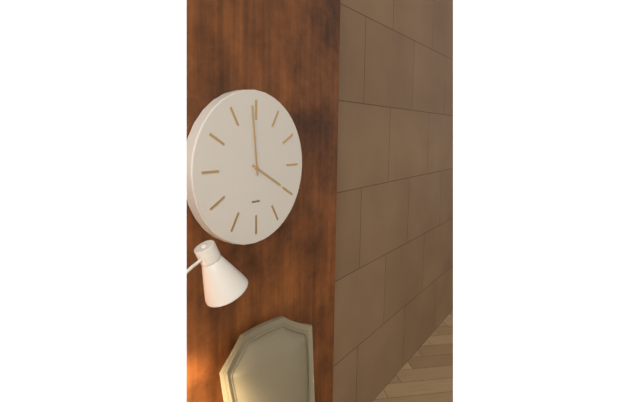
3.59
